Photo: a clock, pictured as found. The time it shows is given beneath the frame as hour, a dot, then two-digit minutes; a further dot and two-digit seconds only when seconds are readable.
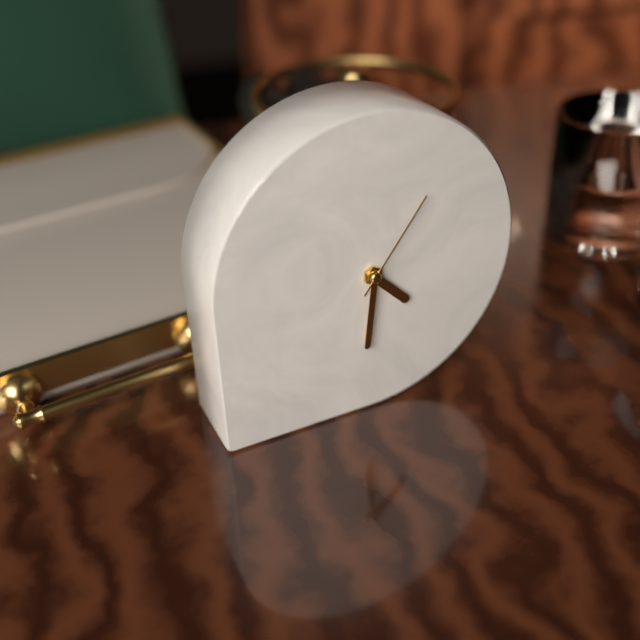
4.31.06
